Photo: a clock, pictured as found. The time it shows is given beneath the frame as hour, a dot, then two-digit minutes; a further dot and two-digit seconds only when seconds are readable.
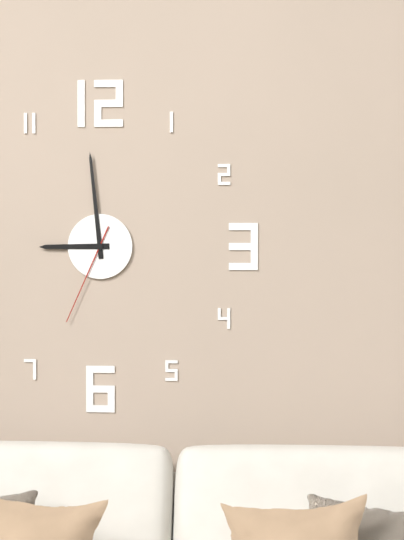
8.59.34
